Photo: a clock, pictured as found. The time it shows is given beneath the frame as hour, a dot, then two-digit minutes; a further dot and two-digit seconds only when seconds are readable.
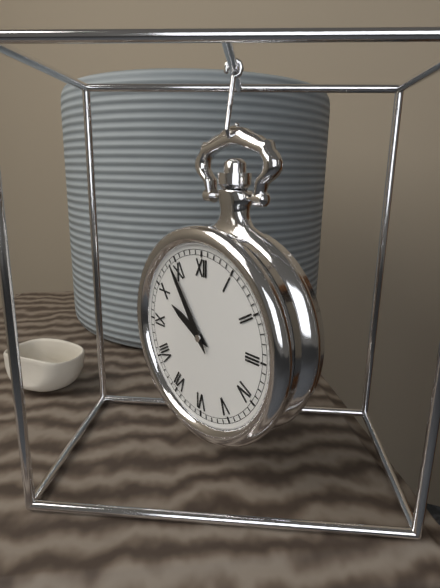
9.54
